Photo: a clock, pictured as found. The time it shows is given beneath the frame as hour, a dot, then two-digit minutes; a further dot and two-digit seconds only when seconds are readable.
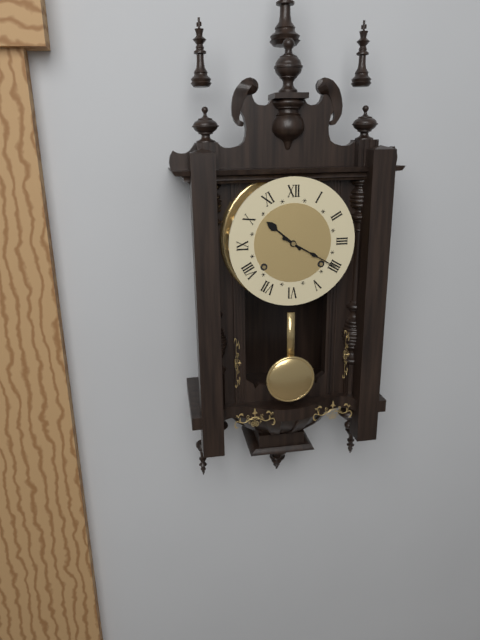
10.20
